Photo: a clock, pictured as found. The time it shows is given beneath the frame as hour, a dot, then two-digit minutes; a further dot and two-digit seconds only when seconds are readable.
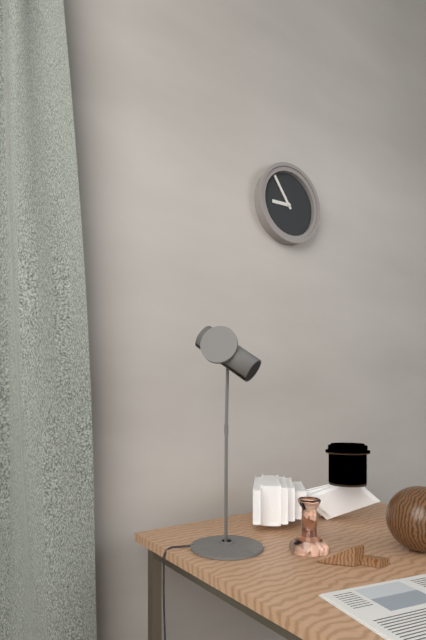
8.54
